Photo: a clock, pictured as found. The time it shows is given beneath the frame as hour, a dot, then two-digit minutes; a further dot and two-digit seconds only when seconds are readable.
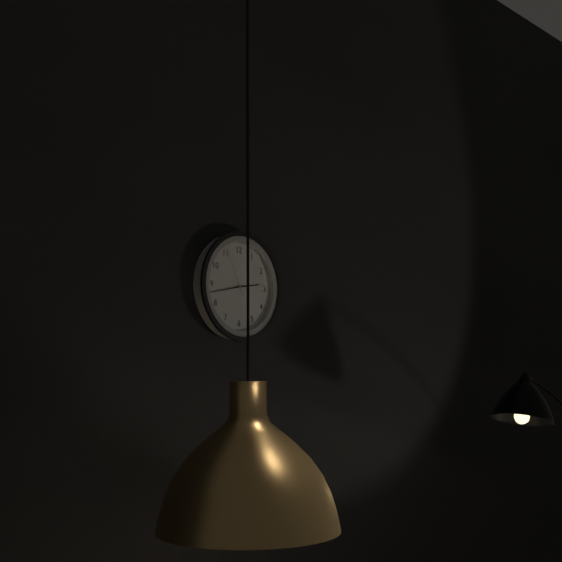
2.43.56
